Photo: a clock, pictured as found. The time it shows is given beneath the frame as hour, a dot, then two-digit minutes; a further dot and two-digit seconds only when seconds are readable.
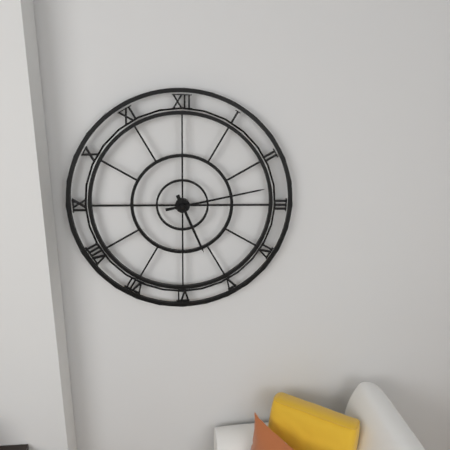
5.13
